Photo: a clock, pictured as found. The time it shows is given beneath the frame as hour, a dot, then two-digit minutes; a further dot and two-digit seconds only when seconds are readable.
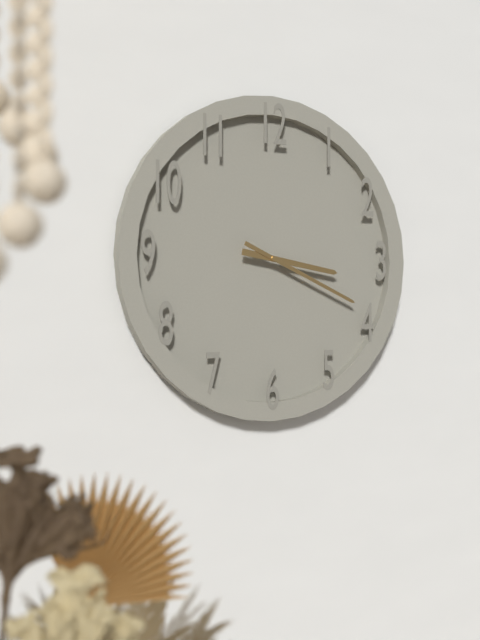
3.19
